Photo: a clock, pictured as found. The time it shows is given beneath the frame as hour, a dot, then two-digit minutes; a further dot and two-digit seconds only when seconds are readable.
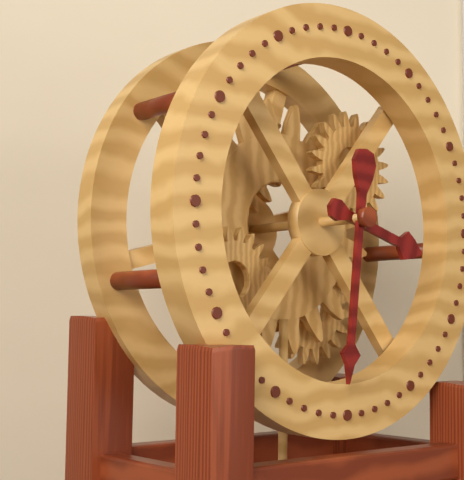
3.31
